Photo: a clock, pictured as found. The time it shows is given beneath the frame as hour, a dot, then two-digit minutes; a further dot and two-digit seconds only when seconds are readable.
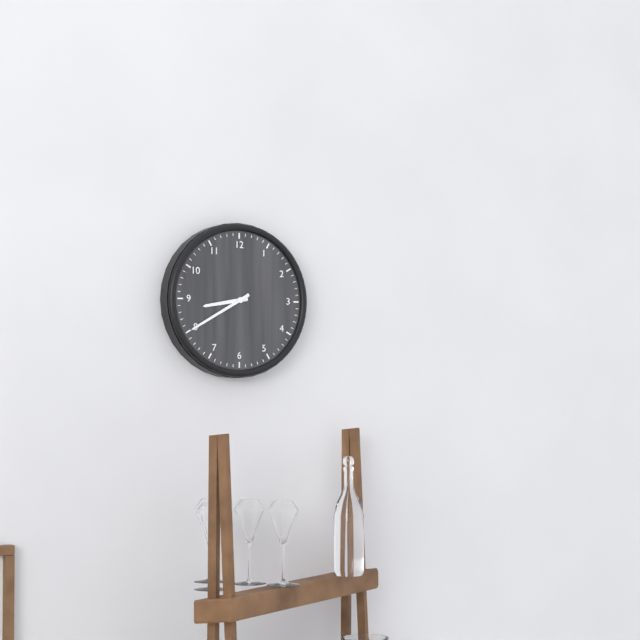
8.40
